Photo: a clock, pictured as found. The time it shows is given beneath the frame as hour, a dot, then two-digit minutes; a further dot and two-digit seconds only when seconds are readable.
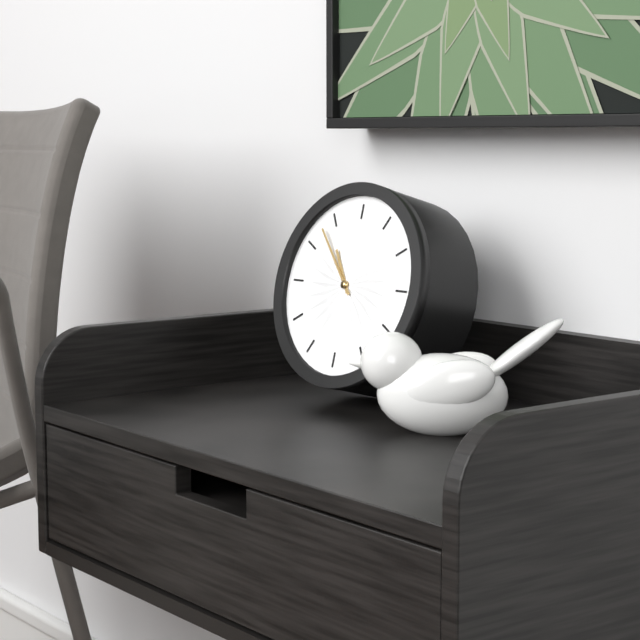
10.53
